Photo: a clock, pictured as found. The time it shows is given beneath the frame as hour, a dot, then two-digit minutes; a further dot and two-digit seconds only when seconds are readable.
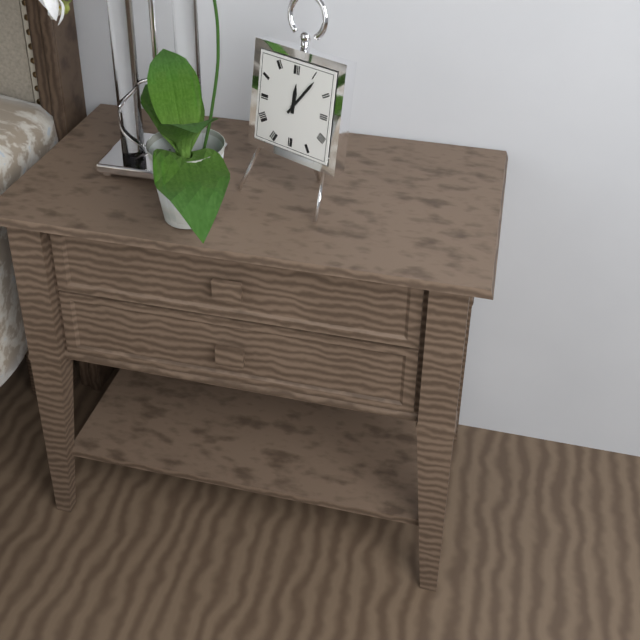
12.06
